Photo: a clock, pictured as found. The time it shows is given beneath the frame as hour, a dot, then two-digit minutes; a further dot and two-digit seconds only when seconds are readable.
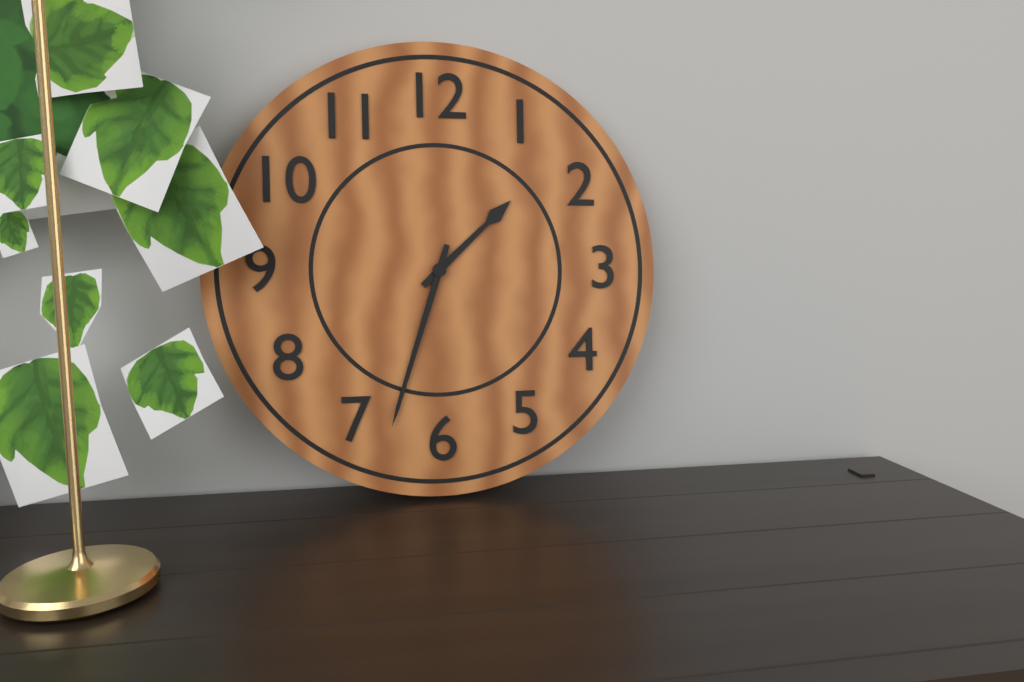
1.33
